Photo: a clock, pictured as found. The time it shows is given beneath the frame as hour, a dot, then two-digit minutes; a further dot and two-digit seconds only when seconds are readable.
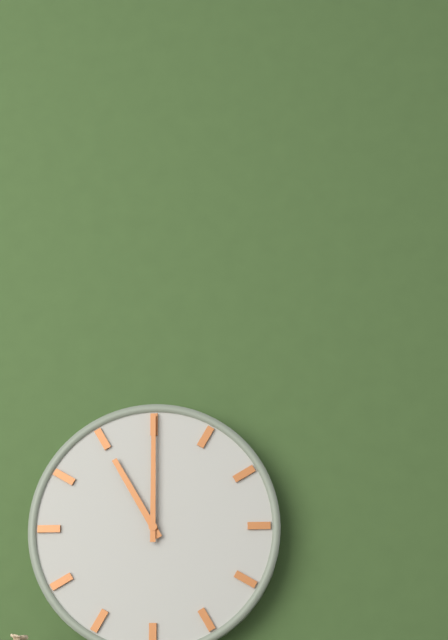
11.00
